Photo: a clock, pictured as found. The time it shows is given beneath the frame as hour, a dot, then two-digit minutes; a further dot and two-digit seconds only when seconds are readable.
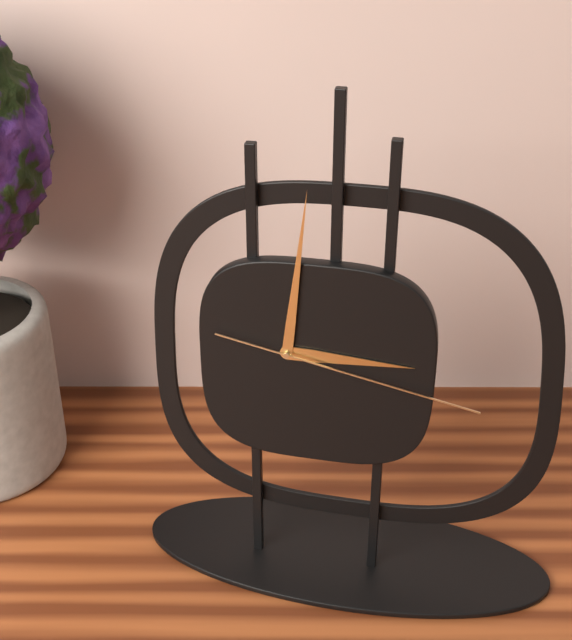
3.01.17
